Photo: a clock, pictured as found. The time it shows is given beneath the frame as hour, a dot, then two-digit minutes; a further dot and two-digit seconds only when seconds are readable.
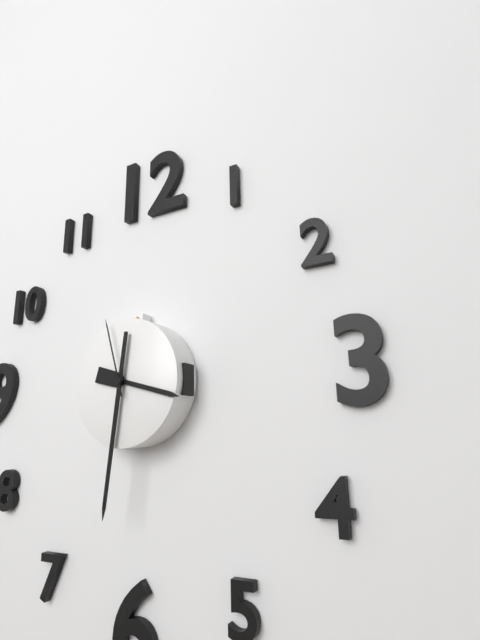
3.31.57
